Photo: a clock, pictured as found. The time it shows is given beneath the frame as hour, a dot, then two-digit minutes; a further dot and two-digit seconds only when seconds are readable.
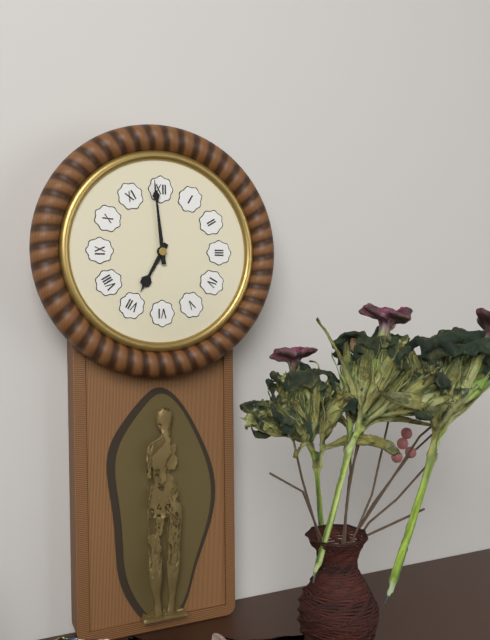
6.59
